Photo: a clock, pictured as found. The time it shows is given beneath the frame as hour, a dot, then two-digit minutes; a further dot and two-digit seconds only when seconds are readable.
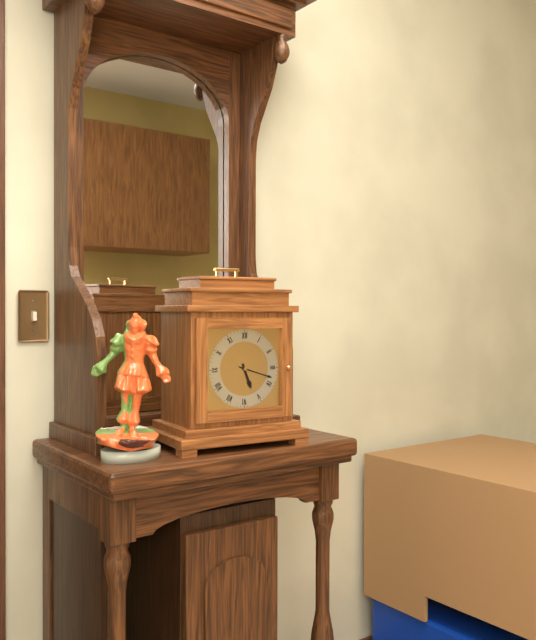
5.18
